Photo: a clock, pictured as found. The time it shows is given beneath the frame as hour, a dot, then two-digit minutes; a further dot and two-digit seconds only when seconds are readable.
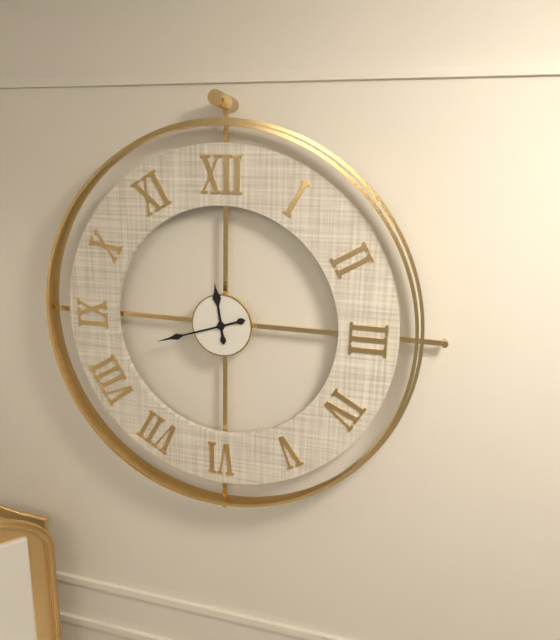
11.42
